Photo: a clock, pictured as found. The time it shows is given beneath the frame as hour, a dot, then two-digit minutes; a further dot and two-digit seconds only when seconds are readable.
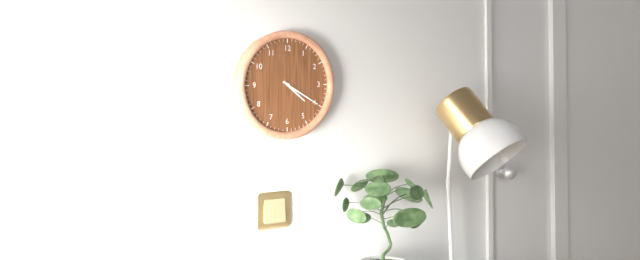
4.20
